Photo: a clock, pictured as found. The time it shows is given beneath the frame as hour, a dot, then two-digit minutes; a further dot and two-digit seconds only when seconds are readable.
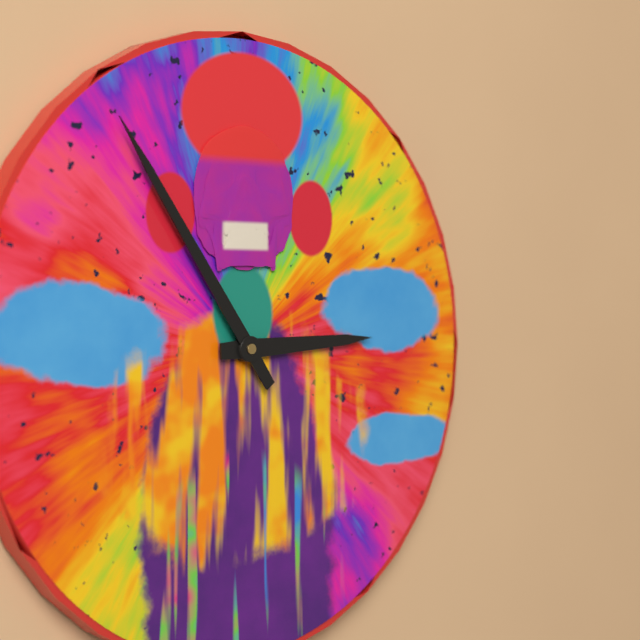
2.54
